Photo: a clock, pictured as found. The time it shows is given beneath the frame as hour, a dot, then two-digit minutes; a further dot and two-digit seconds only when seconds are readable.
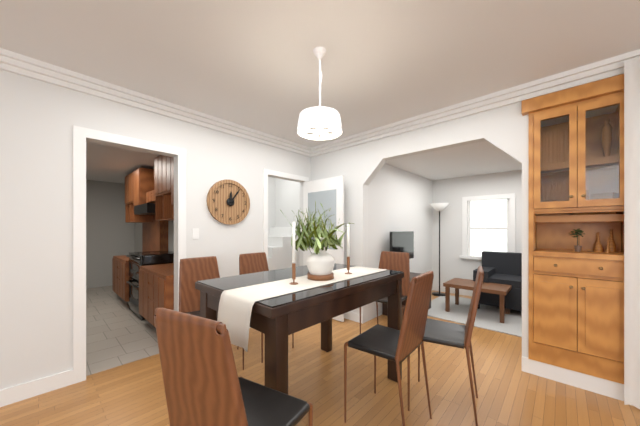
12.06
